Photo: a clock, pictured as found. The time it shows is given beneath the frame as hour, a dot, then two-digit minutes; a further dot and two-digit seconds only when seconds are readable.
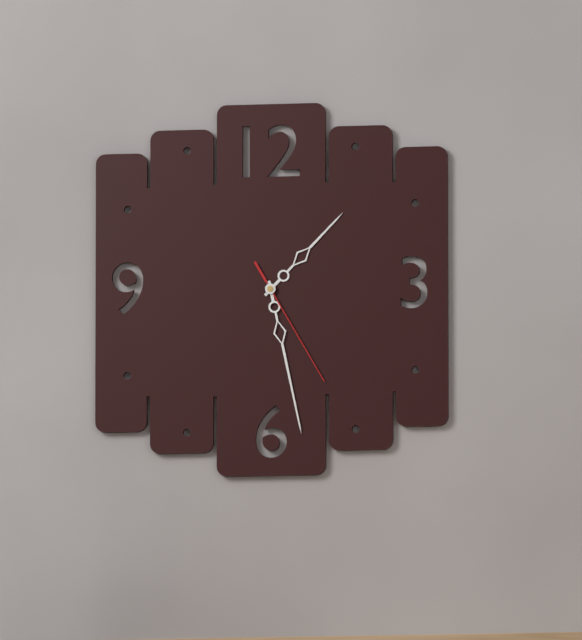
1.28.25
